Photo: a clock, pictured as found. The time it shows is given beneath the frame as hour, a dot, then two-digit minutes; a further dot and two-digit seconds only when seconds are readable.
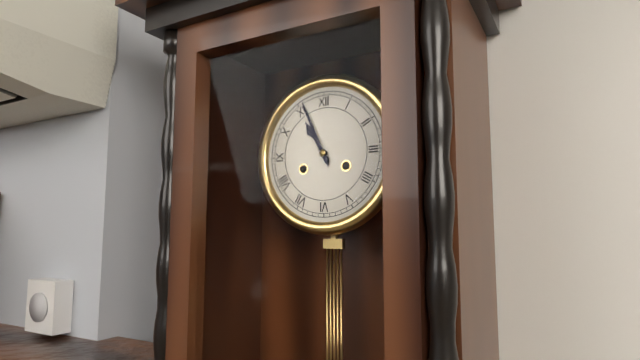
10.56
